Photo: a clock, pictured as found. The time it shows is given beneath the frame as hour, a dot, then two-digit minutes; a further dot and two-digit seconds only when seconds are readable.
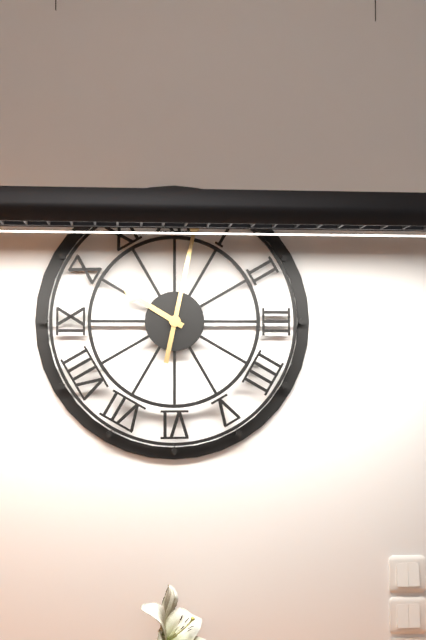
10.02
